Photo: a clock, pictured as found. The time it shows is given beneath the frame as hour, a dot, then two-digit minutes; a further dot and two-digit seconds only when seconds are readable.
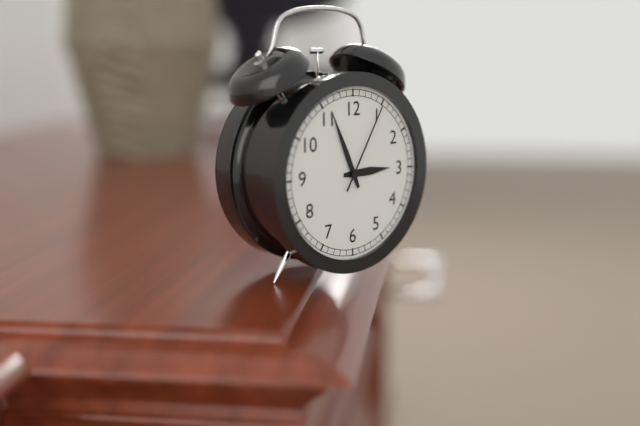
2.56.05
